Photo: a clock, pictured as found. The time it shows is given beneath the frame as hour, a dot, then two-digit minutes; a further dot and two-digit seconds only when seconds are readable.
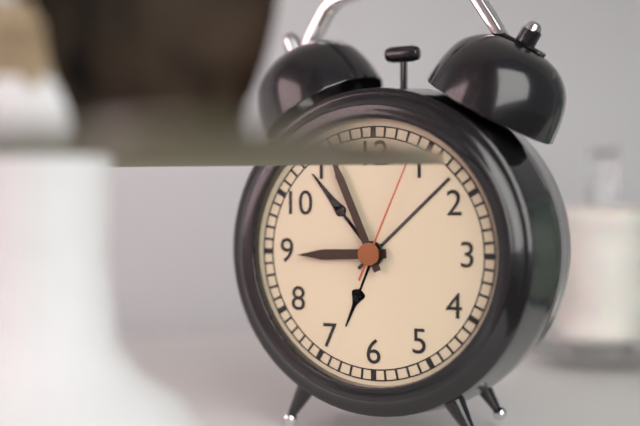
8.56.04
